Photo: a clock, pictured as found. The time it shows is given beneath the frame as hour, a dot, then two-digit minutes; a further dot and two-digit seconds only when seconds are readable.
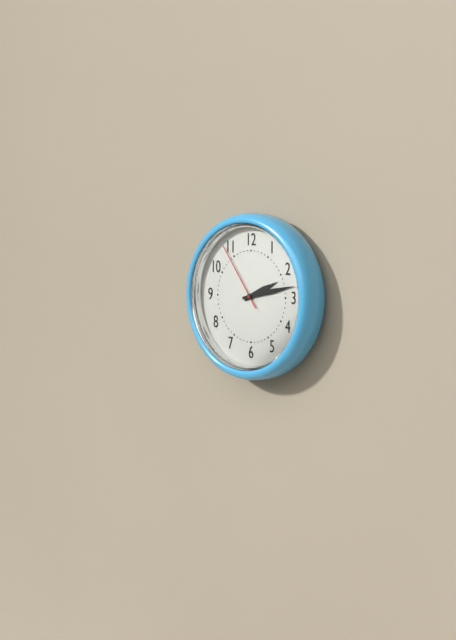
2.13.54
